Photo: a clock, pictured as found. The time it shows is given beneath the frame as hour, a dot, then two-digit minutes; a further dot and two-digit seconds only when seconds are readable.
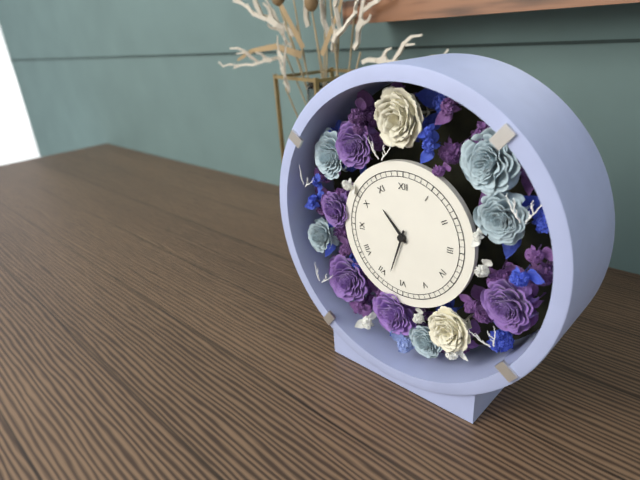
10.33
